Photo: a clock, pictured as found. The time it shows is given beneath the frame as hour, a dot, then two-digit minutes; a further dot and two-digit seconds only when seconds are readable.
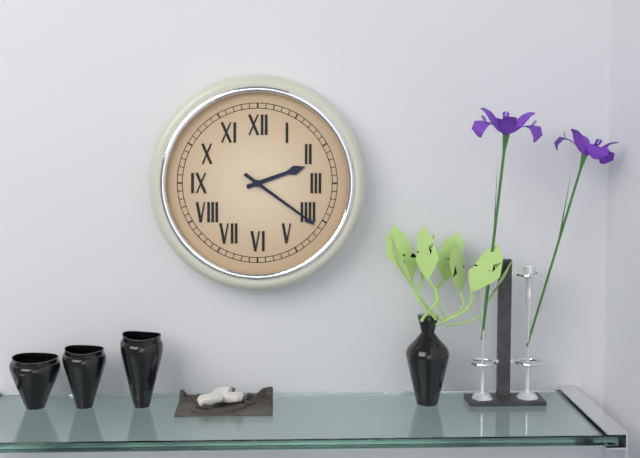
2.21
